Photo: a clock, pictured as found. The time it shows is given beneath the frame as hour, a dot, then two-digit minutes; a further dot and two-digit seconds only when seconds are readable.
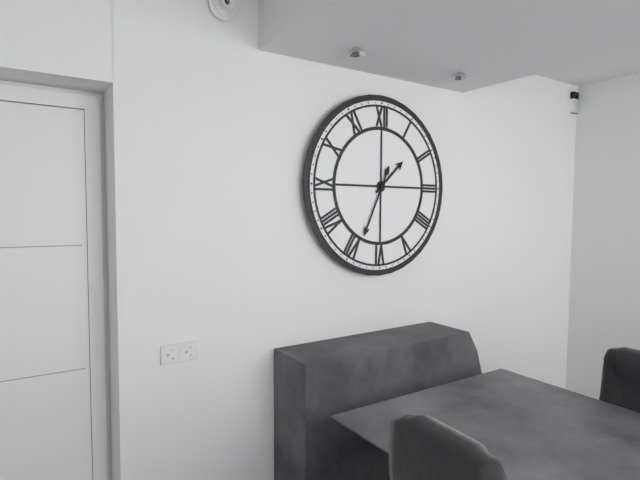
1.34
